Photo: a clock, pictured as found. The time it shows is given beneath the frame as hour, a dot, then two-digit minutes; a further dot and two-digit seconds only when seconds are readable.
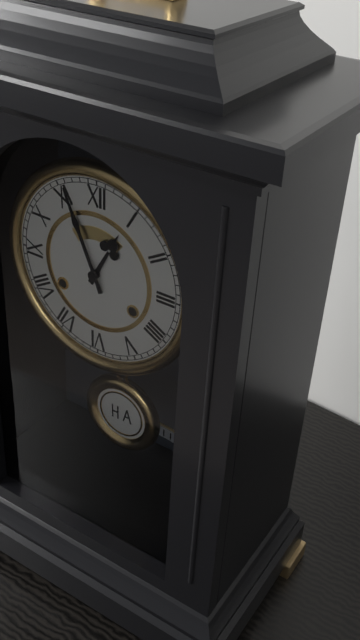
12.56
